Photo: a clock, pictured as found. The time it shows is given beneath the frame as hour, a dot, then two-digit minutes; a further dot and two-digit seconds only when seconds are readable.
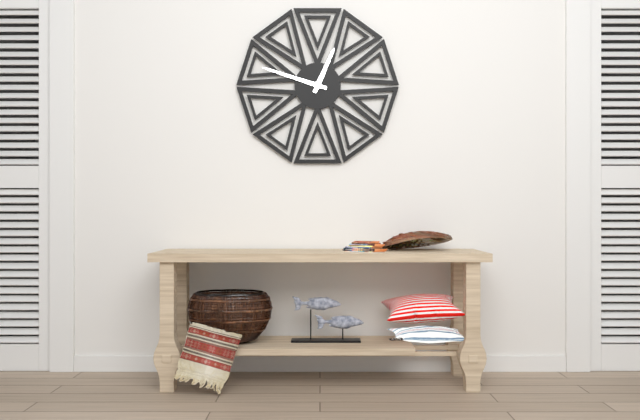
12.48
